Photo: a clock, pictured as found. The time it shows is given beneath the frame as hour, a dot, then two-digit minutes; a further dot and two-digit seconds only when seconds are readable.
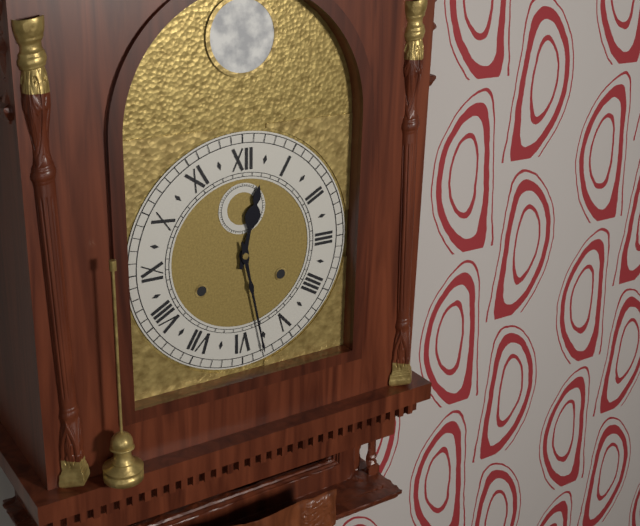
12.28
